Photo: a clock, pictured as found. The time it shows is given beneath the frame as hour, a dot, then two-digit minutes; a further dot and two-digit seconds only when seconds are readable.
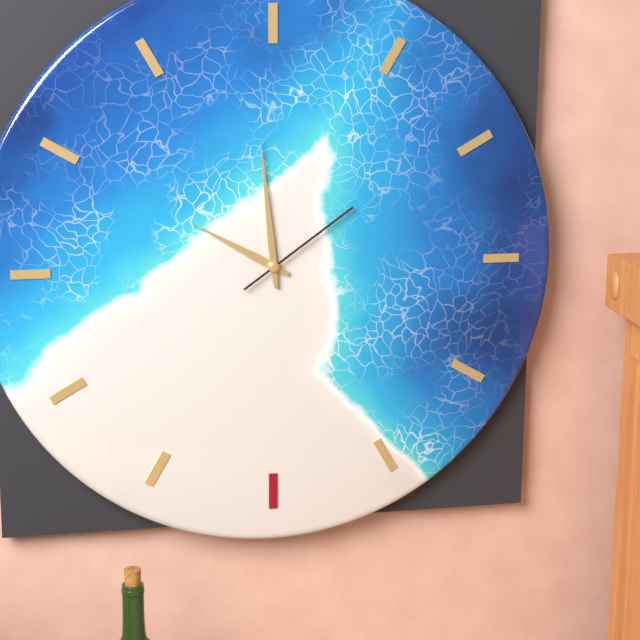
9.59.09
